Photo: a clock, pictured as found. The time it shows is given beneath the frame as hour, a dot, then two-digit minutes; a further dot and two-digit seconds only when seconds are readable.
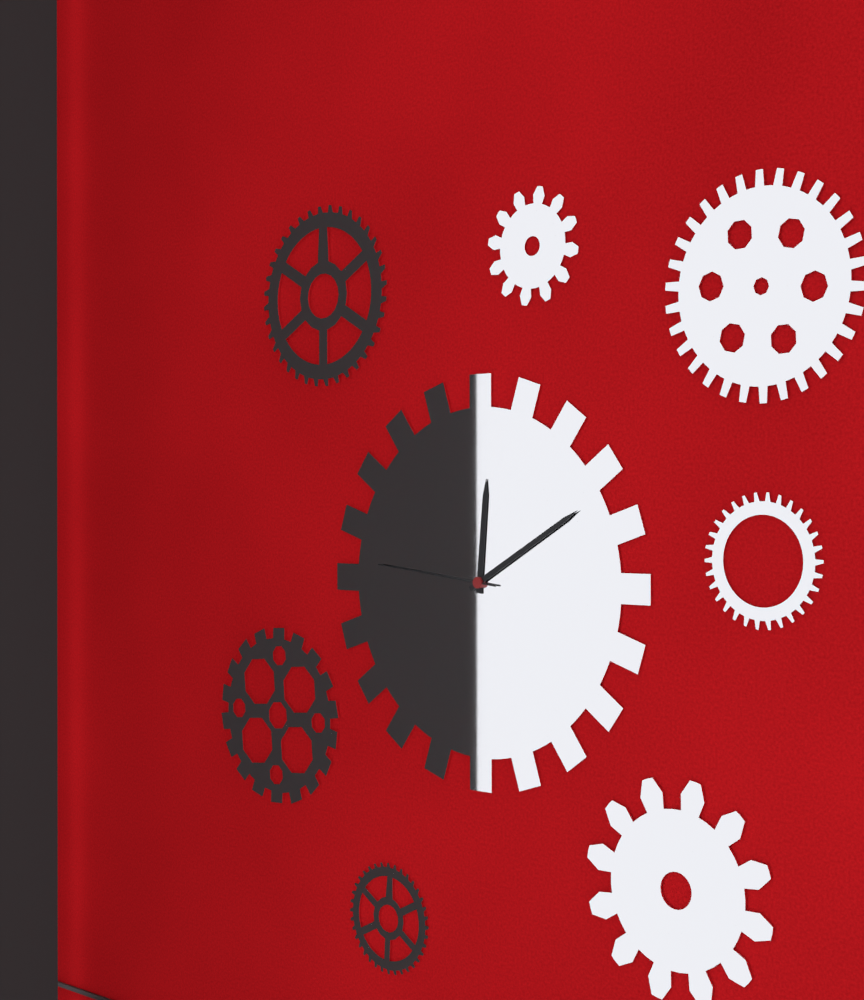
12.10.46
